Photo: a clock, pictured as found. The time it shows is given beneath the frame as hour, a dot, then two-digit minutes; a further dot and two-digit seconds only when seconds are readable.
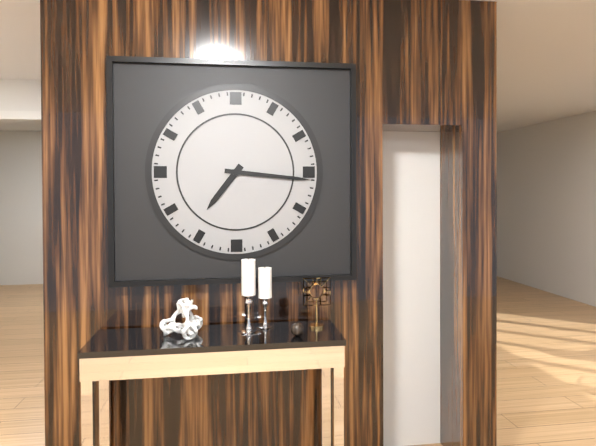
7.16
